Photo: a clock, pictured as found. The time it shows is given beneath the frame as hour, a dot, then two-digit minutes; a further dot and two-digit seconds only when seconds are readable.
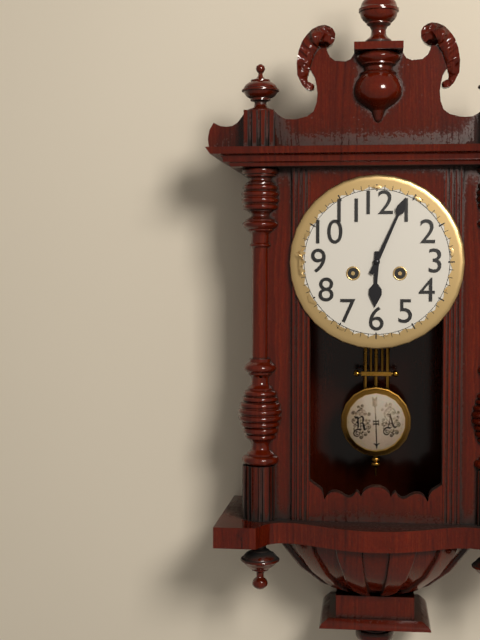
6.04
